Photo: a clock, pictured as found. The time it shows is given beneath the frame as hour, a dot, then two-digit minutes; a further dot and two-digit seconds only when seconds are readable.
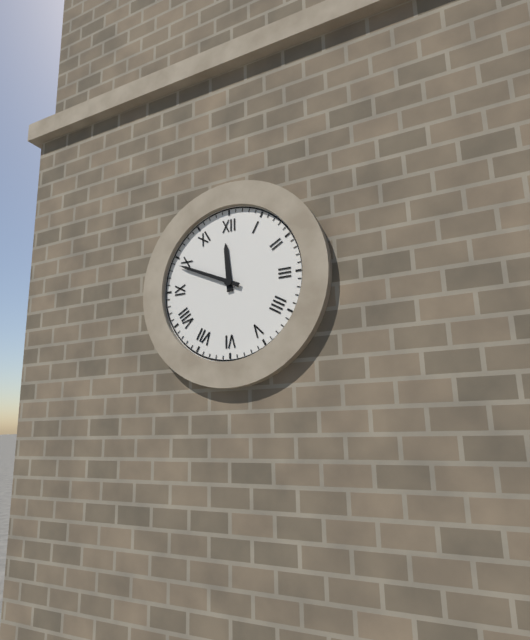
11.49
